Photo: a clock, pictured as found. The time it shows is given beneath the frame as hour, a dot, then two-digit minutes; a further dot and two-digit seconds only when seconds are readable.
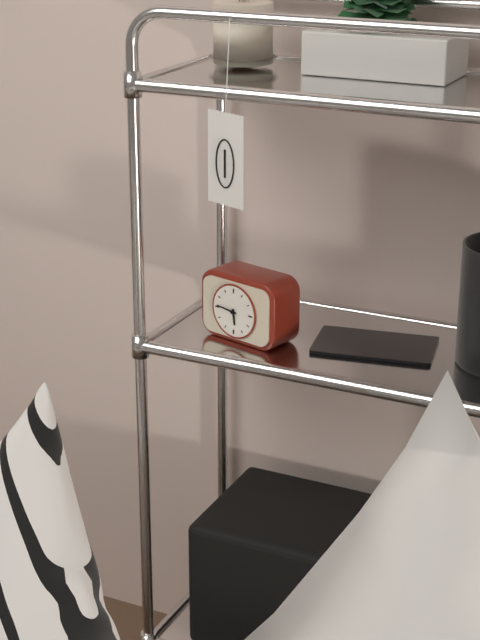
5.46
